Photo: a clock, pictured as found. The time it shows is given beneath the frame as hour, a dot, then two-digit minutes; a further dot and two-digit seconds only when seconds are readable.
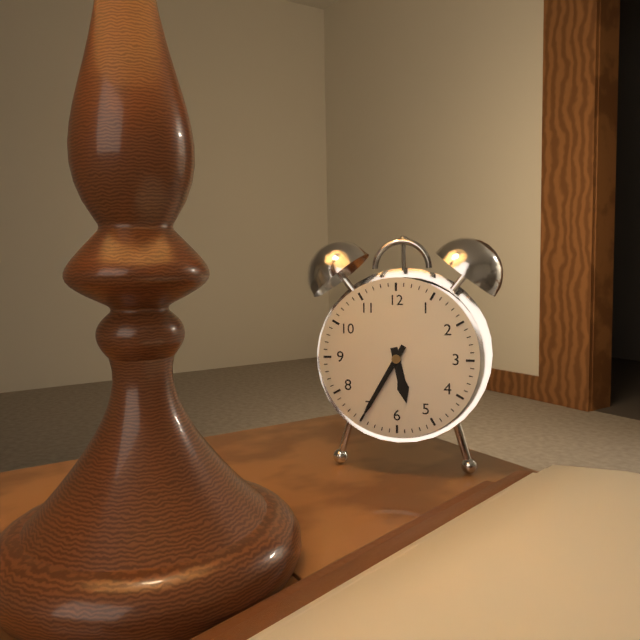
5.35
